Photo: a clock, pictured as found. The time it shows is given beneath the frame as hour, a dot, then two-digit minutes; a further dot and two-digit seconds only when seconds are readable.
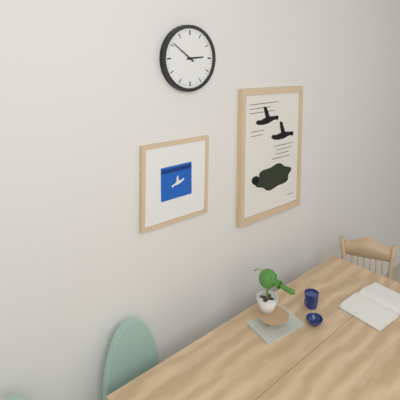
2.51
